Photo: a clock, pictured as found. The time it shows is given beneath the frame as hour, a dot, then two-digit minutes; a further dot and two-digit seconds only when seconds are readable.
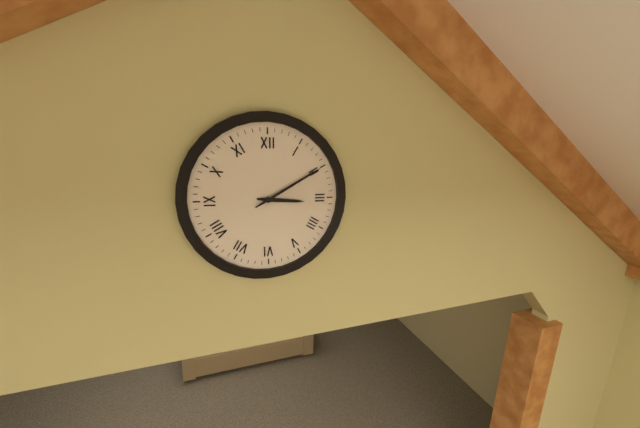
3.10
